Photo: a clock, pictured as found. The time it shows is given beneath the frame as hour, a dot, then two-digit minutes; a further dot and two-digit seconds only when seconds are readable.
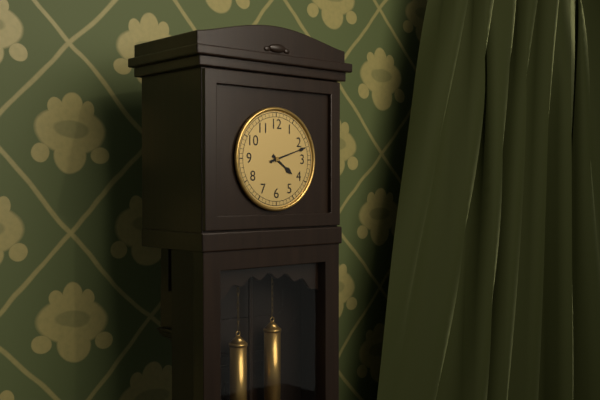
4.12
